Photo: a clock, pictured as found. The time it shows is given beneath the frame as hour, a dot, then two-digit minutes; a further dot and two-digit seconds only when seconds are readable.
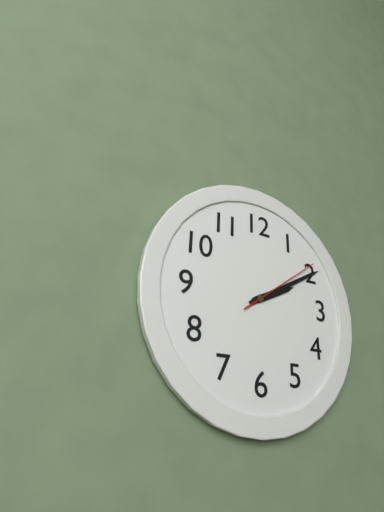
2.10.09
